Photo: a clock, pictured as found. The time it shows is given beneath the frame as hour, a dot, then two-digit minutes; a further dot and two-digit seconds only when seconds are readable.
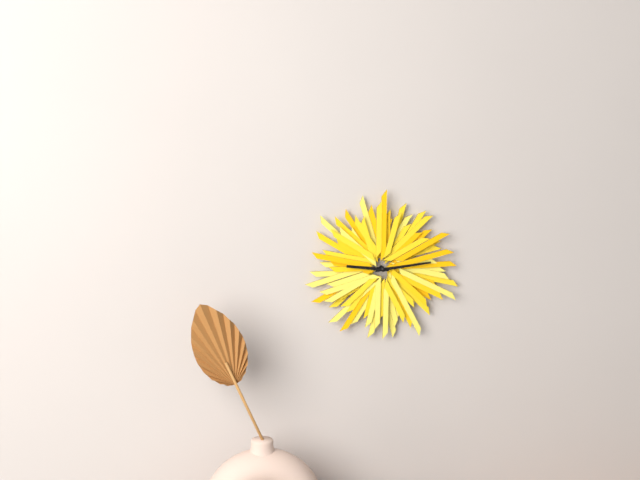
9.14
